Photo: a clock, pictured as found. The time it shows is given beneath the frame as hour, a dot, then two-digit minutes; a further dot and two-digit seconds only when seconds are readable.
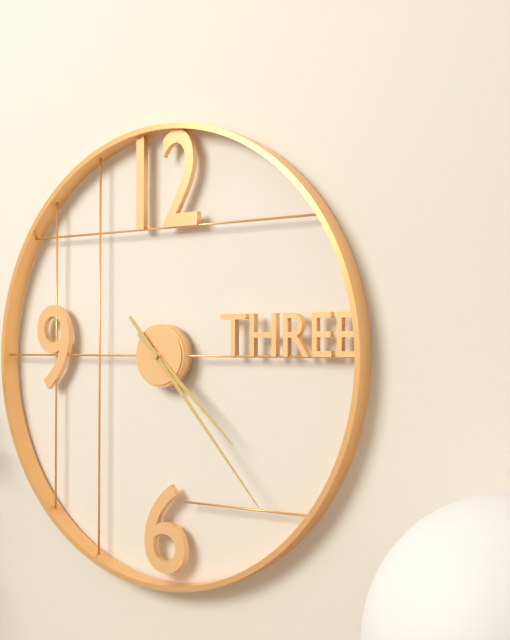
4.23
